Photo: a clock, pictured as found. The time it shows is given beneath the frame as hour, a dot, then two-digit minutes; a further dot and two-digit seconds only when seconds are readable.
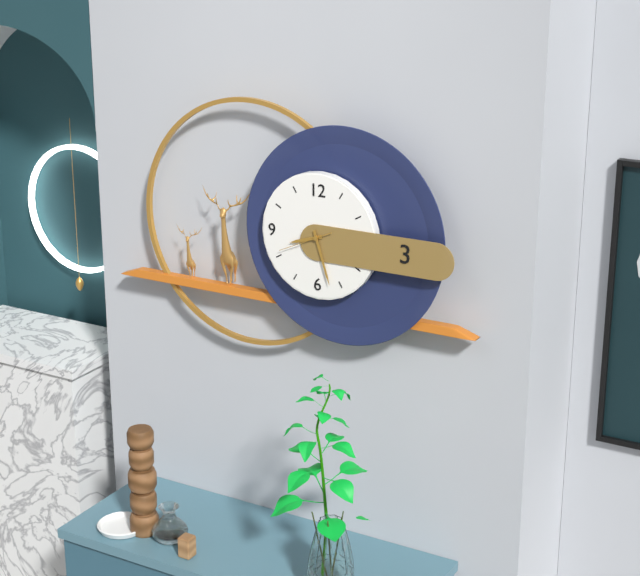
8.27
